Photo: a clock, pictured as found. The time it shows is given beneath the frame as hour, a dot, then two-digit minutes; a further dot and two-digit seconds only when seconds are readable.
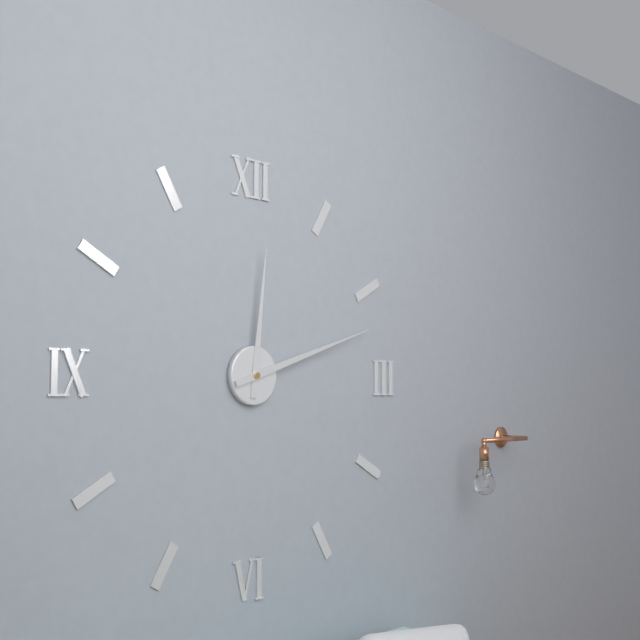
12.12
